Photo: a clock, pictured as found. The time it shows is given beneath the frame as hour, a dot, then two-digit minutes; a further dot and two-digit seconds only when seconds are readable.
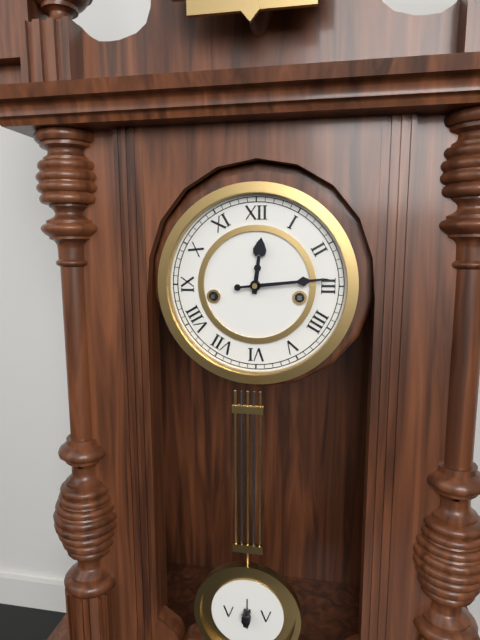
12.14
